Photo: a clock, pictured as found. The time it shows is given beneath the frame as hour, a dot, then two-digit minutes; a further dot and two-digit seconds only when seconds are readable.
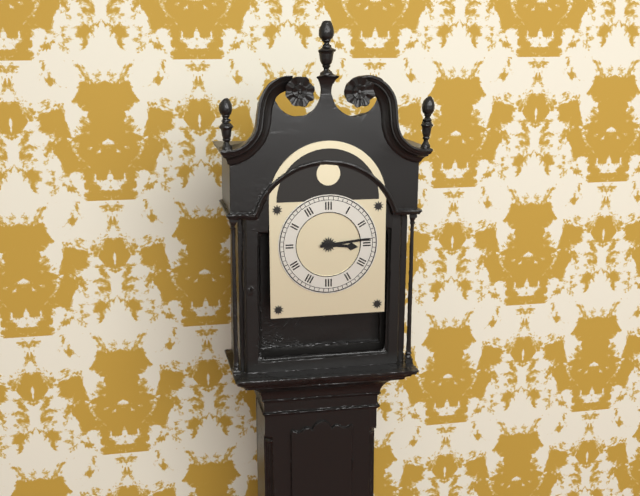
3.14
